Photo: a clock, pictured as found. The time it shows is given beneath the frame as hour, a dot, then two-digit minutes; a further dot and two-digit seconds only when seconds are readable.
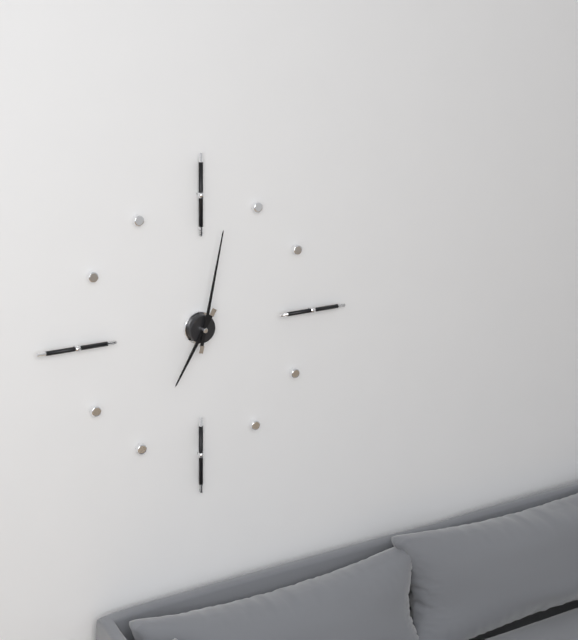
7.02
